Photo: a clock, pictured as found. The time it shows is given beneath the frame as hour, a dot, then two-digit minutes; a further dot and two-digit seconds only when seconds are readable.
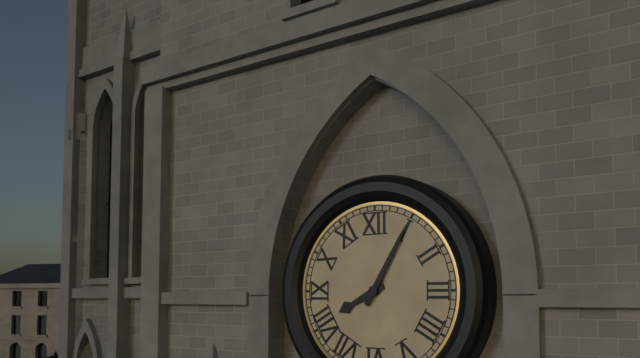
8.05
